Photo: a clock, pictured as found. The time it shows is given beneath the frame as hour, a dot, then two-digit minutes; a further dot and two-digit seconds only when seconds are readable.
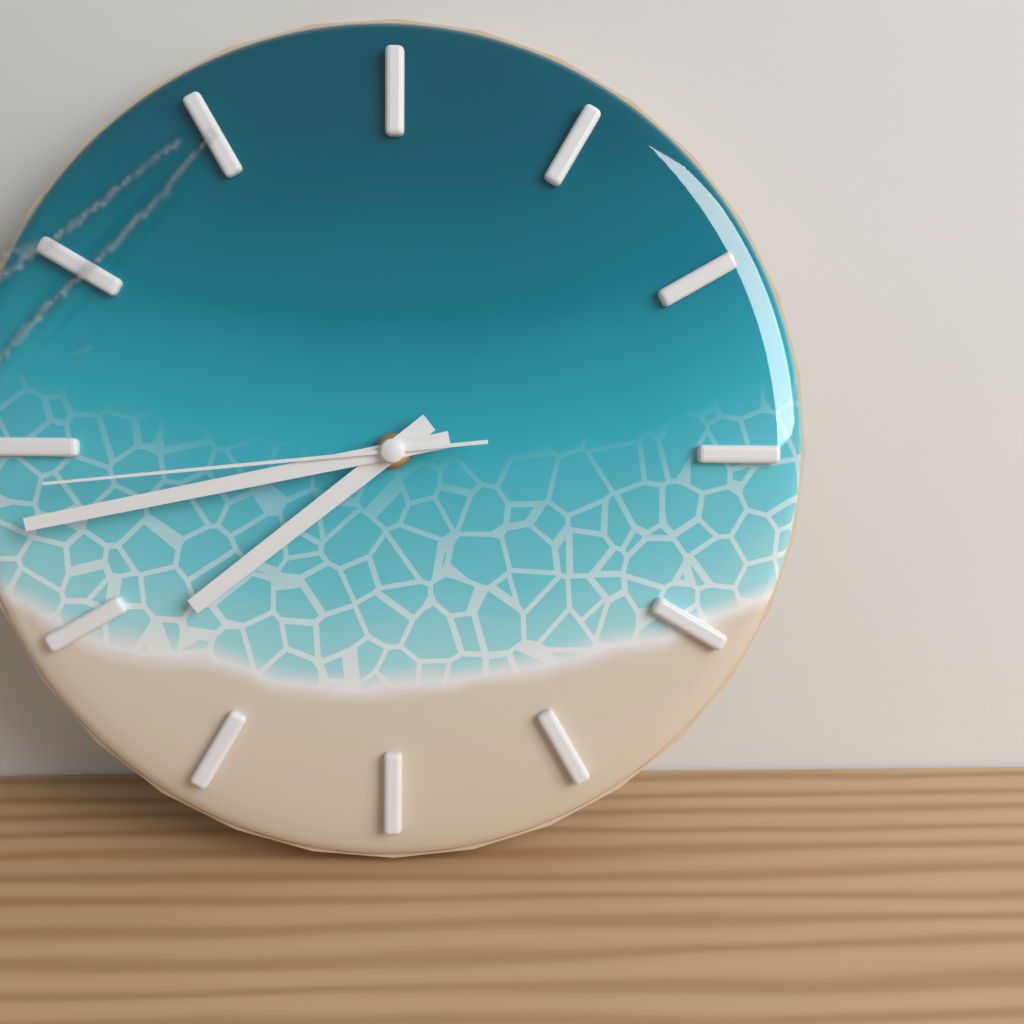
7.43.44
